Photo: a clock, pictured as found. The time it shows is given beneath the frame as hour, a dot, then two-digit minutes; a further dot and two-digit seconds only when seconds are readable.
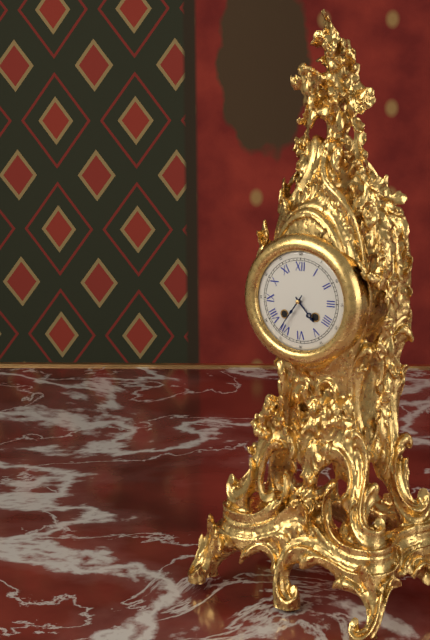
4.36
